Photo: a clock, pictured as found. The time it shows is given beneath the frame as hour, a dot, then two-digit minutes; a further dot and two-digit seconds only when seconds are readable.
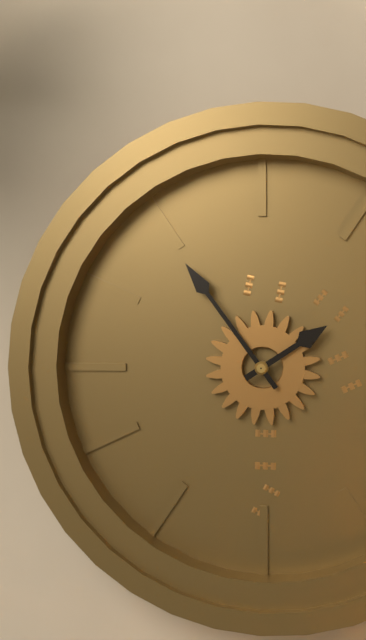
1.54
